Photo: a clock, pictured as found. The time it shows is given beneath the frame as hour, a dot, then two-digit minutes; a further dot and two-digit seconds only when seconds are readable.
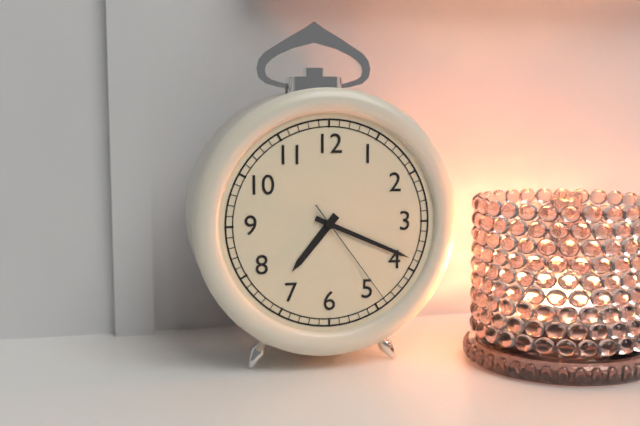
7.19.24
